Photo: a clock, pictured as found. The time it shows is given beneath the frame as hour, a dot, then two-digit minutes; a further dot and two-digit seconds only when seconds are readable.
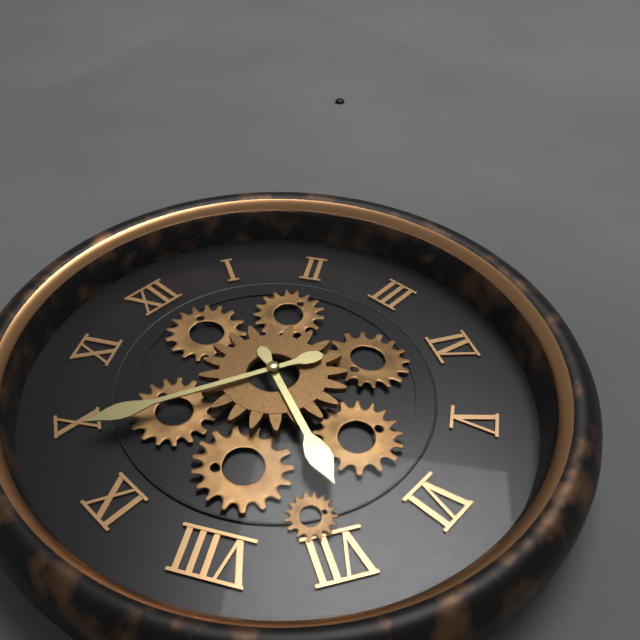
6.49
